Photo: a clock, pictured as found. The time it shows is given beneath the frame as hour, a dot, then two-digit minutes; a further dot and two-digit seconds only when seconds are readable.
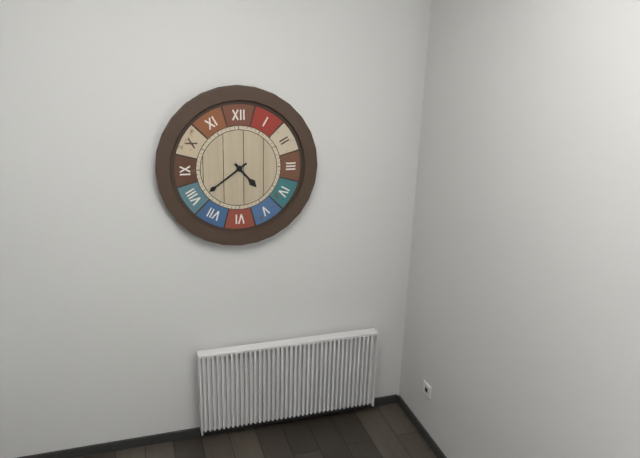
4.39
